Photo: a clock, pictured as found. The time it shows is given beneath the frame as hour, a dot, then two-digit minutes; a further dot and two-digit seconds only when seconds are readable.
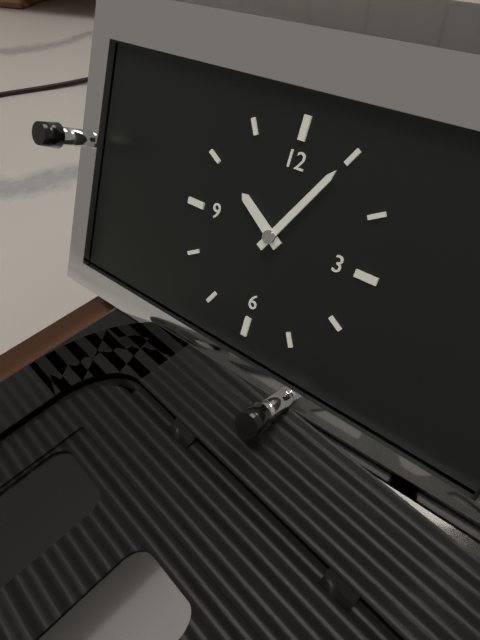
10.05
